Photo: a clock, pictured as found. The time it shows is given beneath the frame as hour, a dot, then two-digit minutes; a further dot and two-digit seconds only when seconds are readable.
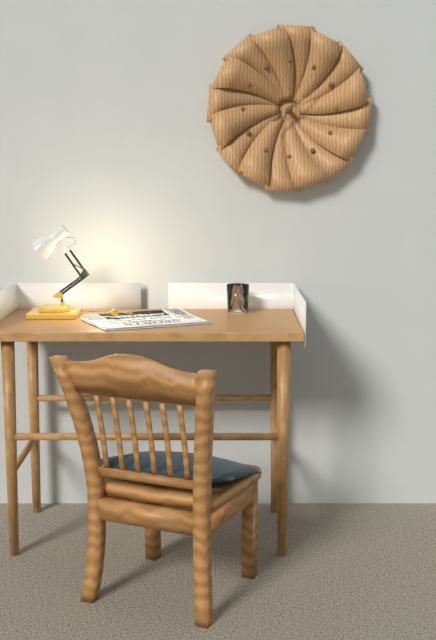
7.09
